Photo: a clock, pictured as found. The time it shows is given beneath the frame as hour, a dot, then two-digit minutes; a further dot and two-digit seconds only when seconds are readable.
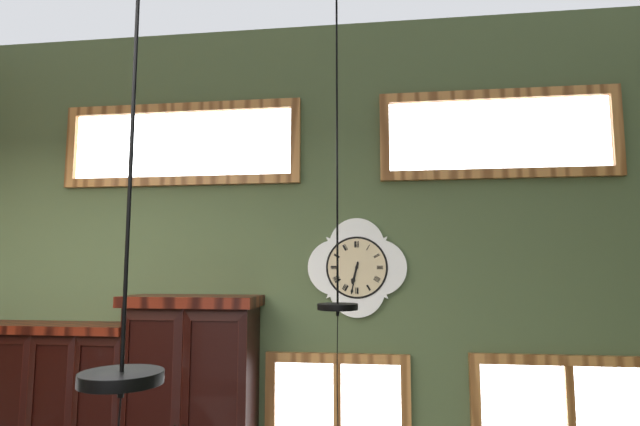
6.32
